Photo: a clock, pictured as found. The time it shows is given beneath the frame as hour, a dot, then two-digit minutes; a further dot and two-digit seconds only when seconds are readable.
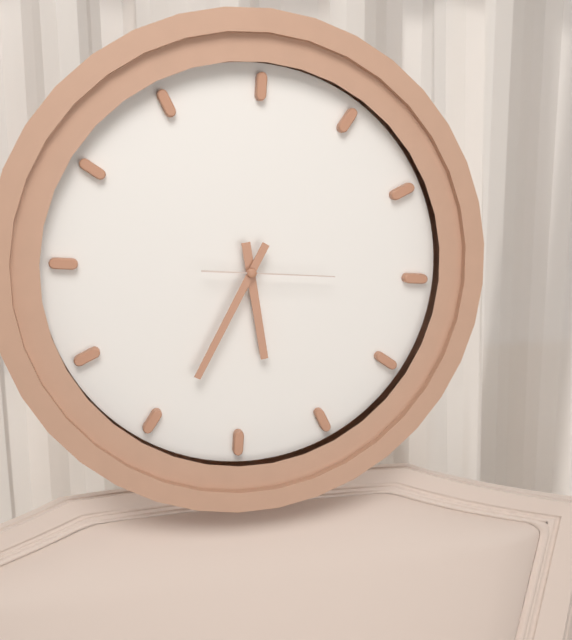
5.34.15
